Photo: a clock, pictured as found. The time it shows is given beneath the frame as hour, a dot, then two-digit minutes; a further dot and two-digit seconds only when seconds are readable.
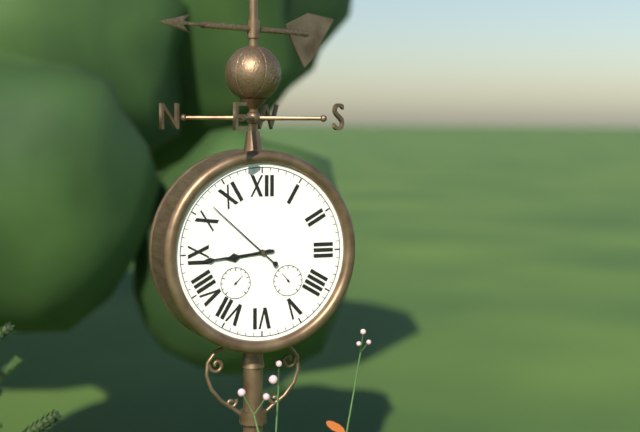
8.44.52
